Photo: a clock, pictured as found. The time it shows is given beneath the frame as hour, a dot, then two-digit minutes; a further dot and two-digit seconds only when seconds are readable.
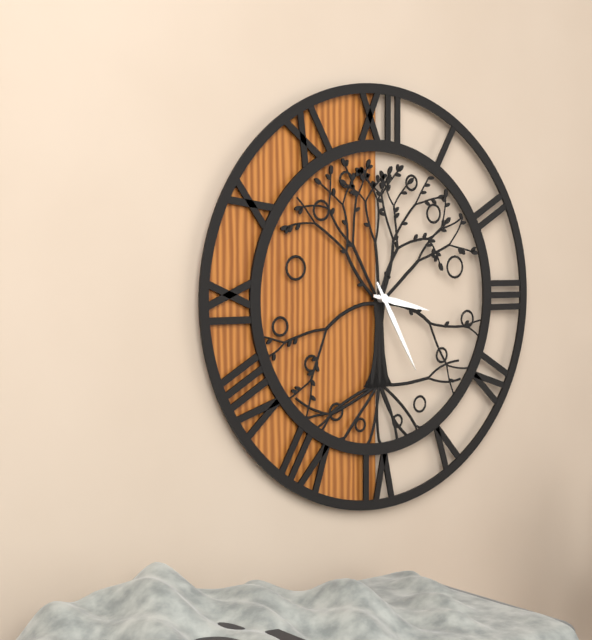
3.25
